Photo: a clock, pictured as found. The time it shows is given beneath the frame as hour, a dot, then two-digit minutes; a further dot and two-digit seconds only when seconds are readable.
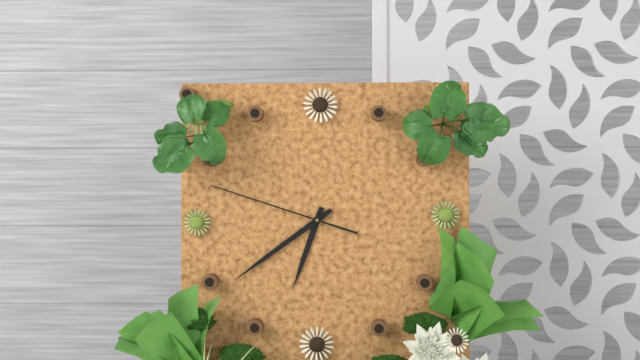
6.39.48
